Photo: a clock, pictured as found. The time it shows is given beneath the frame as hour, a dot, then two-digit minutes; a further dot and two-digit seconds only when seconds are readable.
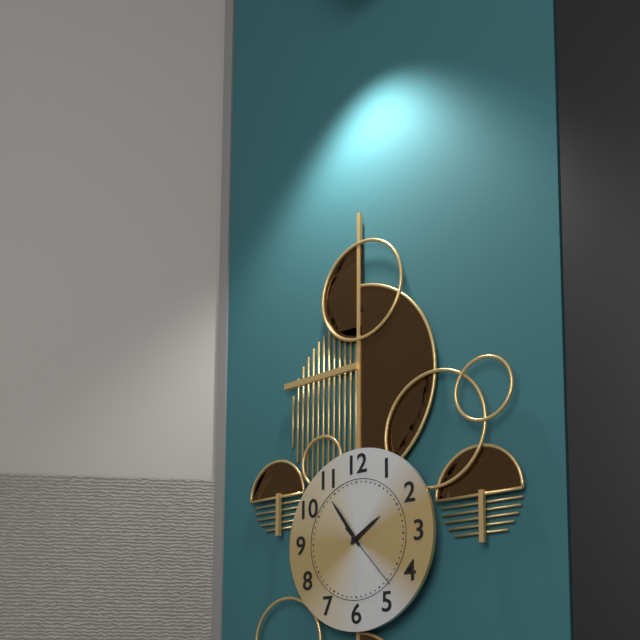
1.54.23
